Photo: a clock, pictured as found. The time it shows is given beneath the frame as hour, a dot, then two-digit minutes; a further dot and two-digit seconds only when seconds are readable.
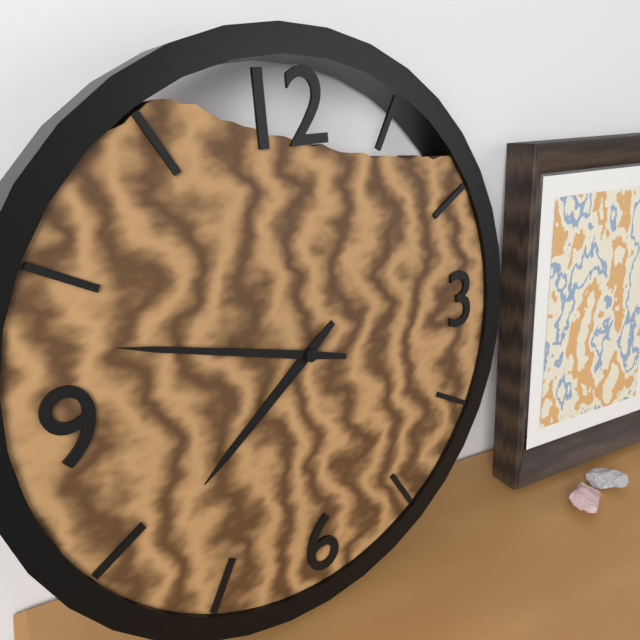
7.48
